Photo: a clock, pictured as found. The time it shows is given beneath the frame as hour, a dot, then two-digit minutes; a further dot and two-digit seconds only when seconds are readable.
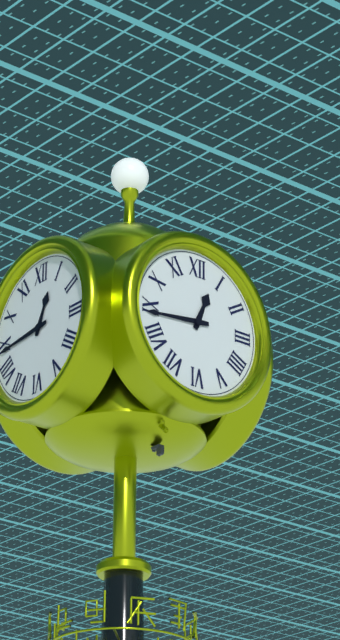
12.44
